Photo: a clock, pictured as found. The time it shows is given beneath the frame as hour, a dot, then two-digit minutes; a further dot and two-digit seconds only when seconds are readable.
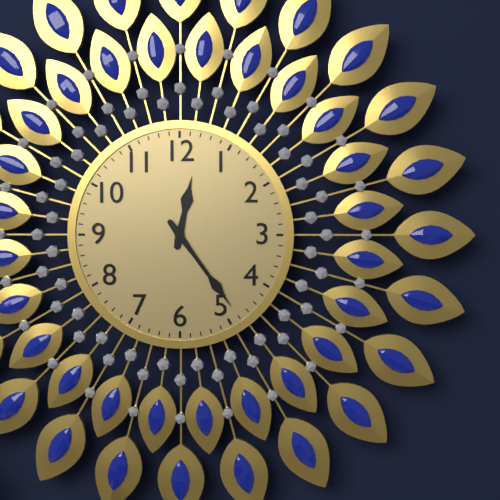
12.24
